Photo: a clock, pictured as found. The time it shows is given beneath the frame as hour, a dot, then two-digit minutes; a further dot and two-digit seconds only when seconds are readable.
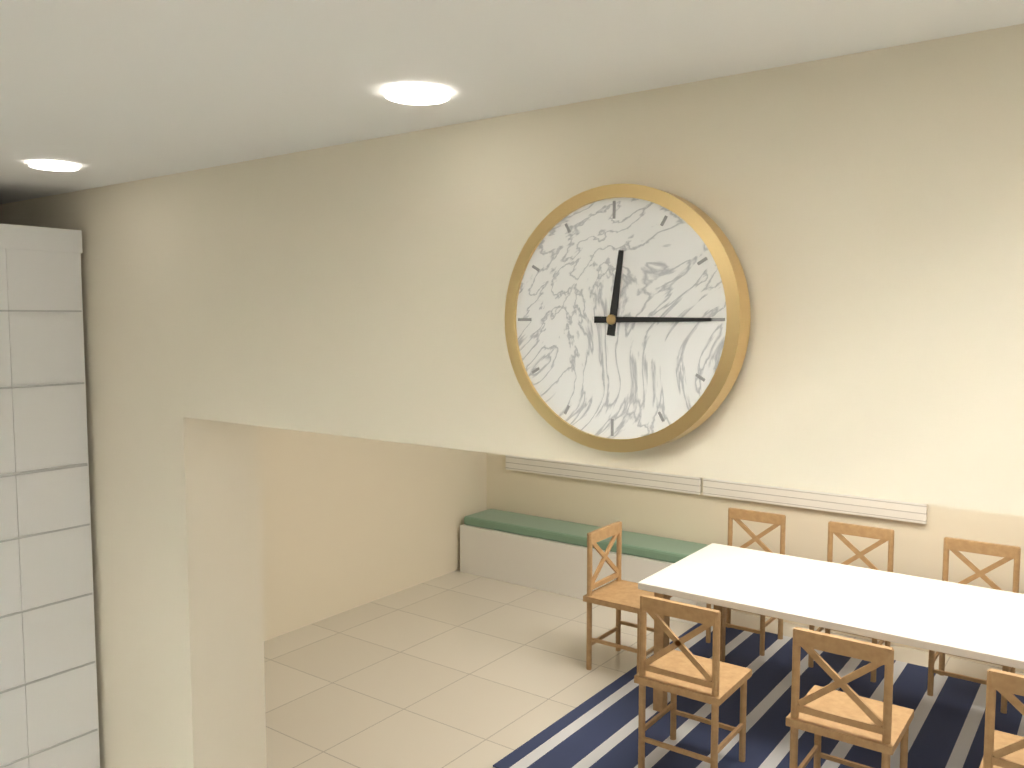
12.15
